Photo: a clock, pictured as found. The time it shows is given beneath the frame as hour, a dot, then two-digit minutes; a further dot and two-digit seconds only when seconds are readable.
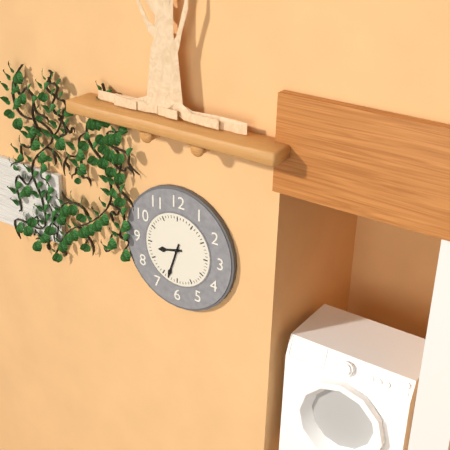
8.33
